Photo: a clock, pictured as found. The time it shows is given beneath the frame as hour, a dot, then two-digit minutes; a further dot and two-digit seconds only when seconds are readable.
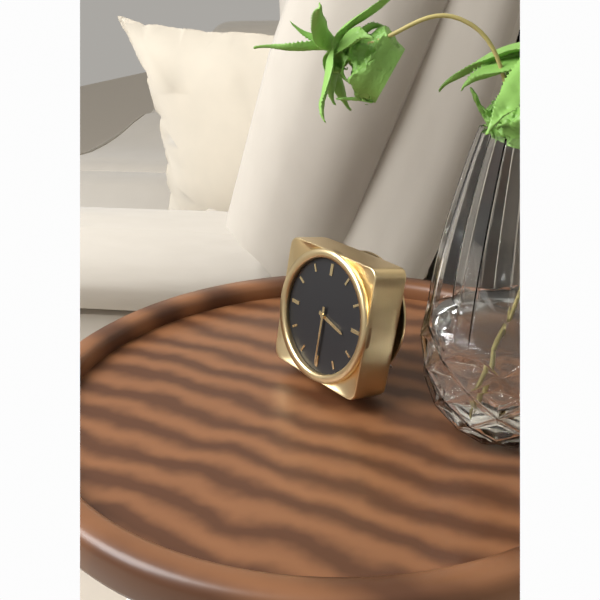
3.30
